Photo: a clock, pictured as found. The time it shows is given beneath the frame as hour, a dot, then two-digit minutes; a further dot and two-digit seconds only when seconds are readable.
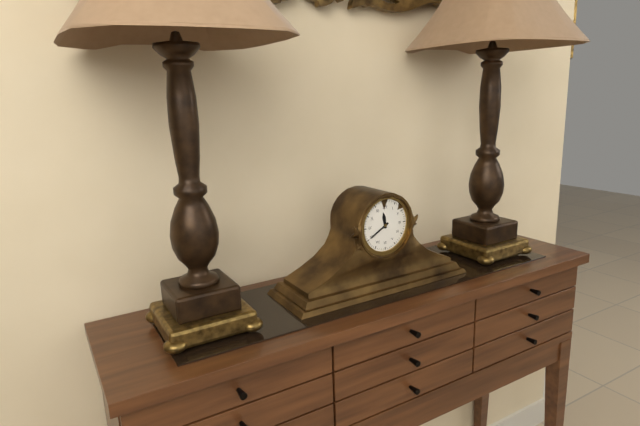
11.40
